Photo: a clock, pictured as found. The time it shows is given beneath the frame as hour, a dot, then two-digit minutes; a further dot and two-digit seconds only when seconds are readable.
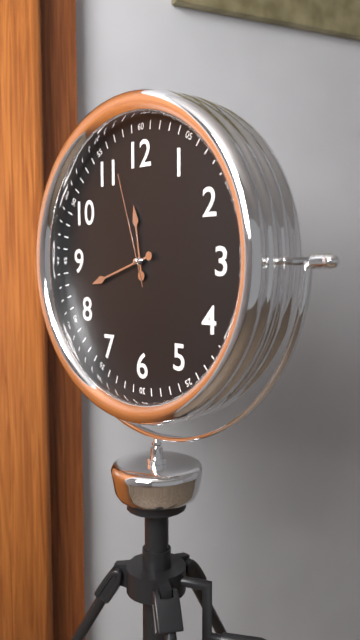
11.42.57
